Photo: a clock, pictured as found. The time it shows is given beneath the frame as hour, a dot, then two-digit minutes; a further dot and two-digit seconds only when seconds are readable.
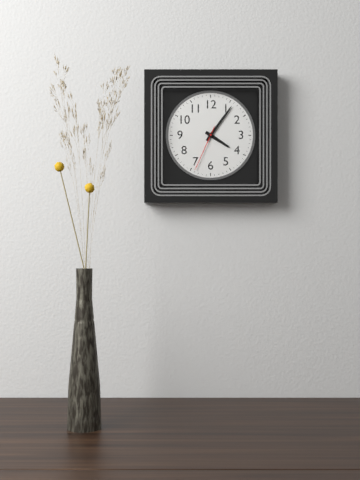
4.06
